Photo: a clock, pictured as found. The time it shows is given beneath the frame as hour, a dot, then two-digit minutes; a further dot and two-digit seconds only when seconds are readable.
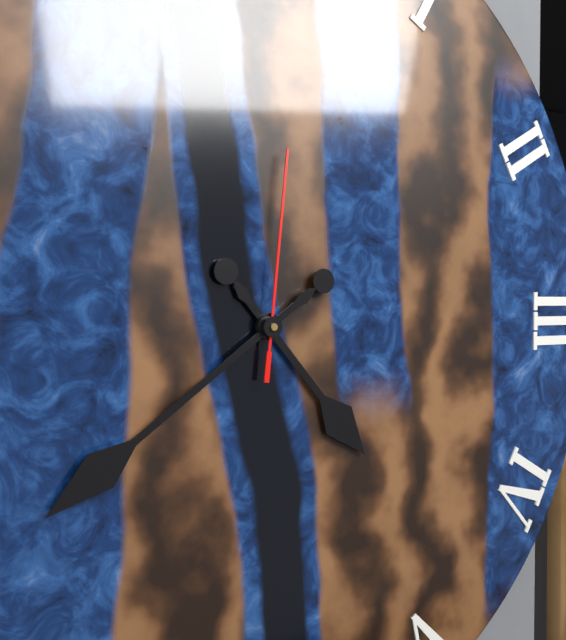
4.39.01
